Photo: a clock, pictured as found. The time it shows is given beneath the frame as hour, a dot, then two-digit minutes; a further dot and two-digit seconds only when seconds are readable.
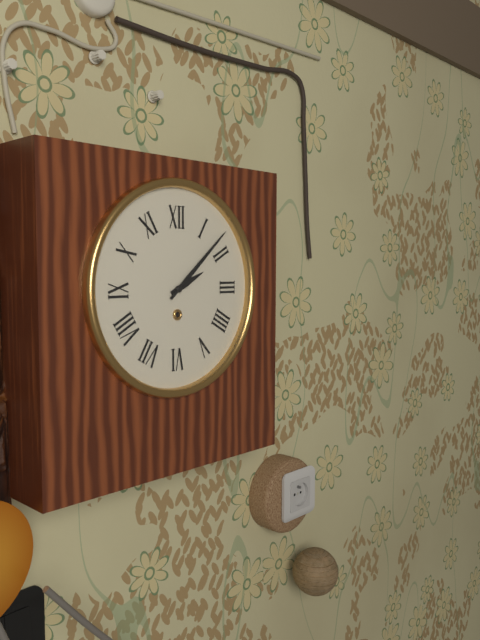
2.08
